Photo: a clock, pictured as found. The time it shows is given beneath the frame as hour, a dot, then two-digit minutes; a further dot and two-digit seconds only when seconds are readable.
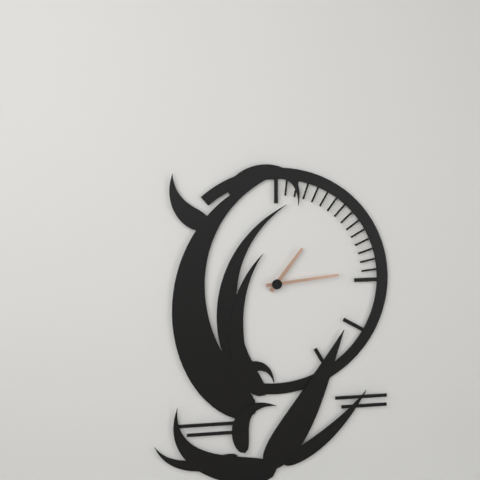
1.14
